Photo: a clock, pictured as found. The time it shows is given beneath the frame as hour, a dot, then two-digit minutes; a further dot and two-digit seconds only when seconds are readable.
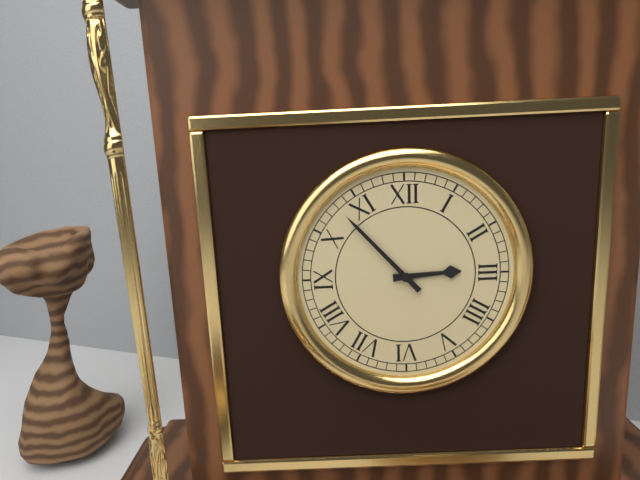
2.53
